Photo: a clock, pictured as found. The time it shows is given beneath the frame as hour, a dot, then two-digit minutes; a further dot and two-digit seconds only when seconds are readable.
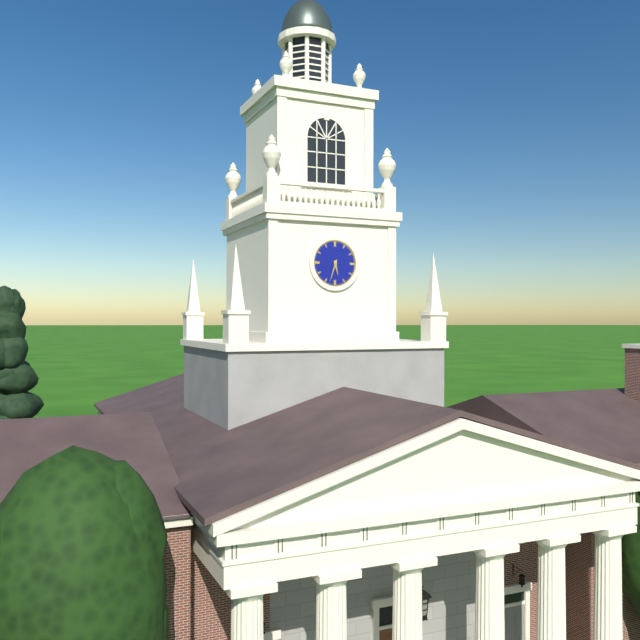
5.33
